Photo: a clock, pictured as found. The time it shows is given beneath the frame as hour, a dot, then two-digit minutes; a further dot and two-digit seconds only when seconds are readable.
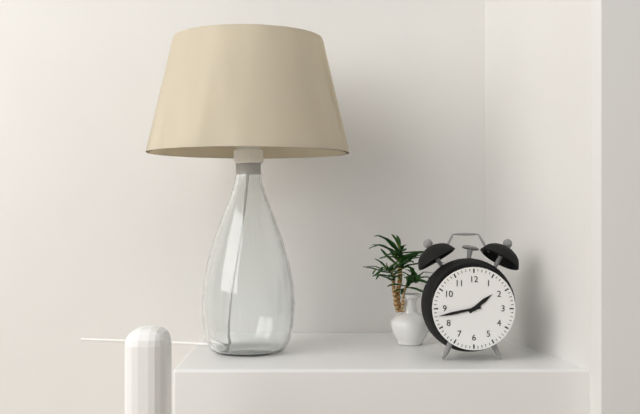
1.43
